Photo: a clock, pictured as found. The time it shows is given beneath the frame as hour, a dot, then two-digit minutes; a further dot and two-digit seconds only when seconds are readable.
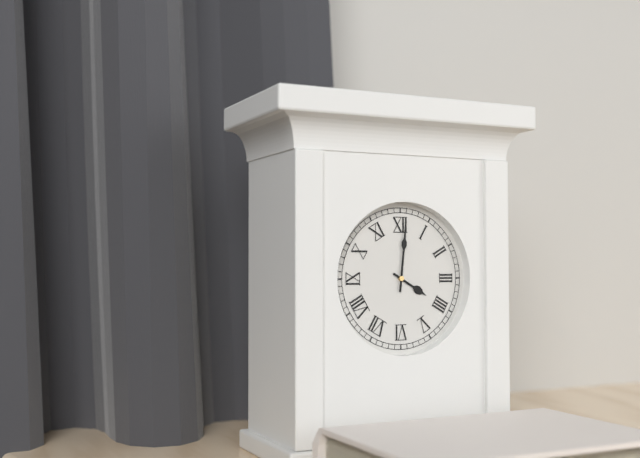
4.01
